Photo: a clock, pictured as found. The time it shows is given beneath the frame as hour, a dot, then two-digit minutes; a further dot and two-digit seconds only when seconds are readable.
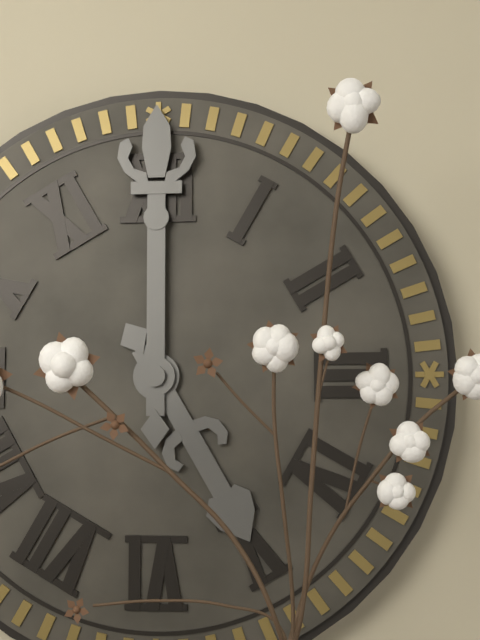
5.00
